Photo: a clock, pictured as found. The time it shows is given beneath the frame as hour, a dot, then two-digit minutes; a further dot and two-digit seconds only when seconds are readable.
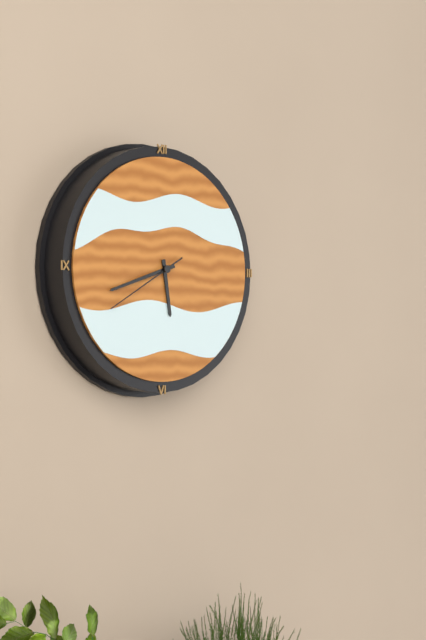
5.42.40
